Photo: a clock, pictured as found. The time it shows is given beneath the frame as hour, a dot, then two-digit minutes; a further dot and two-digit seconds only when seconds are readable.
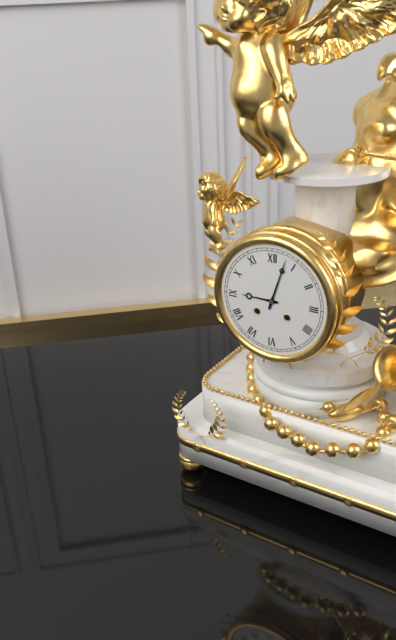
9.03
